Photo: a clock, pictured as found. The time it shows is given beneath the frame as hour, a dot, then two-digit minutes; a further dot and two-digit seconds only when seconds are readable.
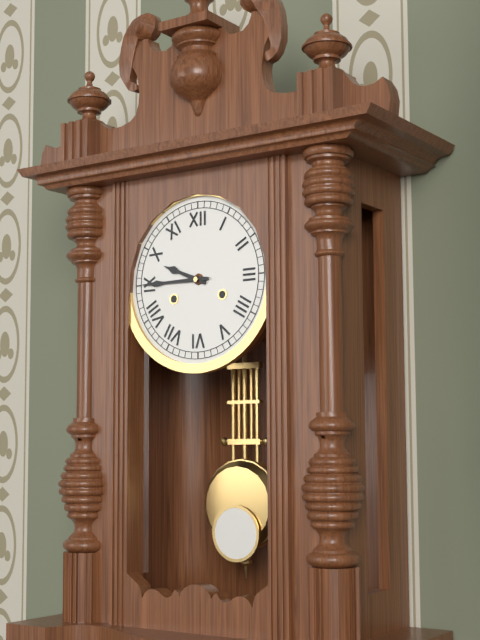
9.45
